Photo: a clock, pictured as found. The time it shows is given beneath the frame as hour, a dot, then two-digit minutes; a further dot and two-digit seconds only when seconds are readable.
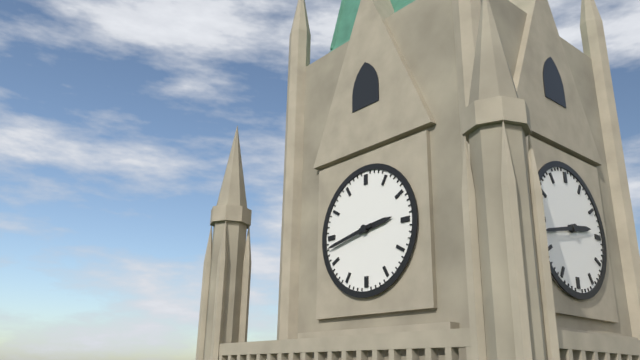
2.43
